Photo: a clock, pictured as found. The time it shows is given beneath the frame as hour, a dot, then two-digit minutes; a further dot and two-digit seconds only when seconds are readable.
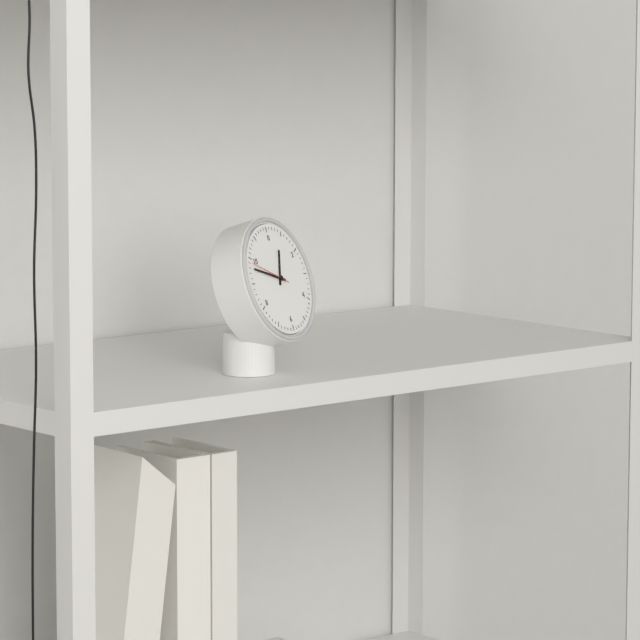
12.48
